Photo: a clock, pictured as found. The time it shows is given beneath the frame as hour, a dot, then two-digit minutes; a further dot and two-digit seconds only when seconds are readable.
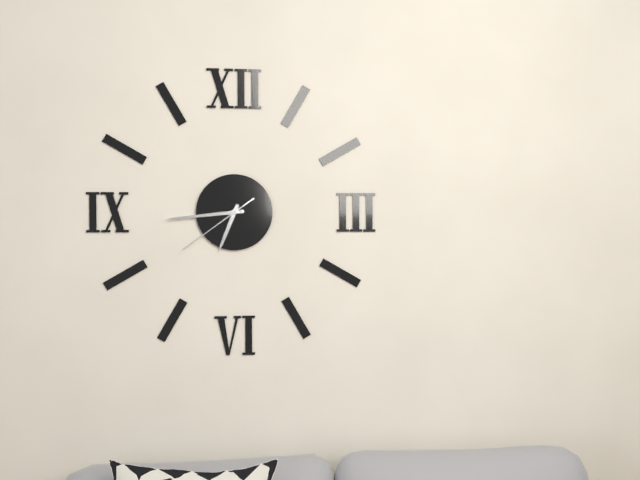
6.44.39
